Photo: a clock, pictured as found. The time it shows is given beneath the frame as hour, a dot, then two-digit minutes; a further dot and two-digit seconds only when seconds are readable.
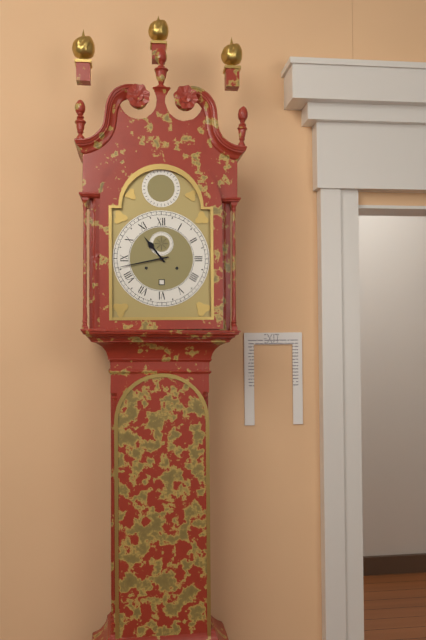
10.43
